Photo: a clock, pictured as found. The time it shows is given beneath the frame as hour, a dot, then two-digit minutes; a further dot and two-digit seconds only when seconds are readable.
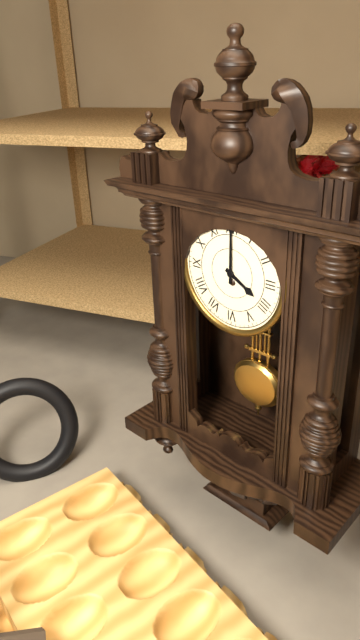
4.00
